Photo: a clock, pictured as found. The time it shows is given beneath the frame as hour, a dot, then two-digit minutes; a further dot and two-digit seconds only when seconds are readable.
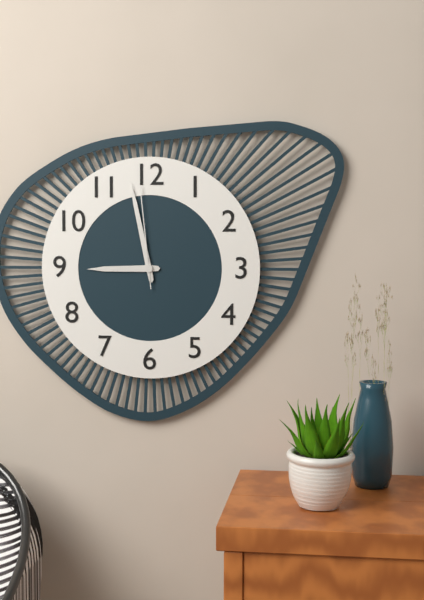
8.58.59
